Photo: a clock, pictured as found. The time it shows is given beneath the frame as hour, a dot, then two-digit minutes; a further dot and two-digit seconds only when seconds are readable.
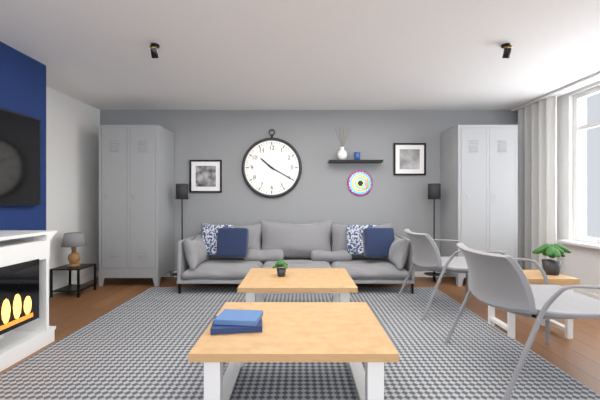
10.20
